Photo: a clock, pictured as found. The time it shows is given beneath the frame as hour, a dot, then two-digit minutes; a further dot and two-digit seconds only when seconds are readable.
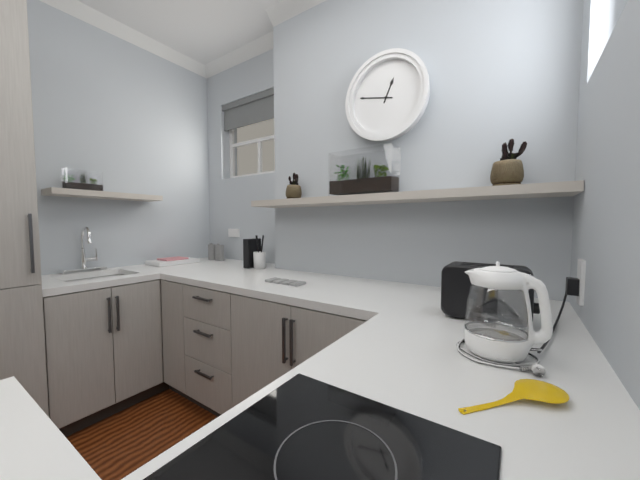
12.47
